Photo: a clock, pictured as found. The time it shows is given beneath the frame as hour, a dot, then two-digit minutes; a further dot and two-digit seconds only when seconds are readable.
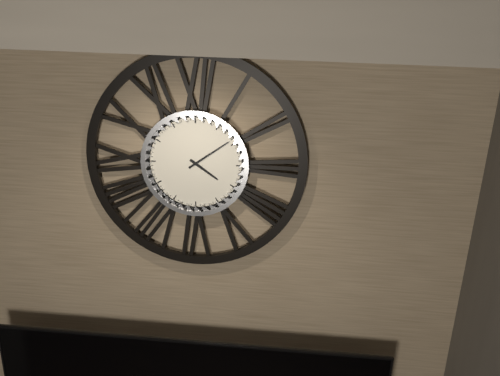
4.09
